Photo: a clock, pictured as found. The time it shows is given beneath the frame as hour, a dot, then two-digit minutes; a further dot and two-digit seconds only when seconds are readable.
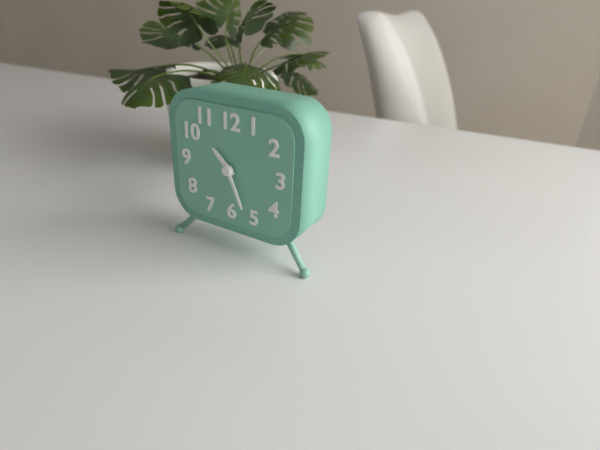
10.26
